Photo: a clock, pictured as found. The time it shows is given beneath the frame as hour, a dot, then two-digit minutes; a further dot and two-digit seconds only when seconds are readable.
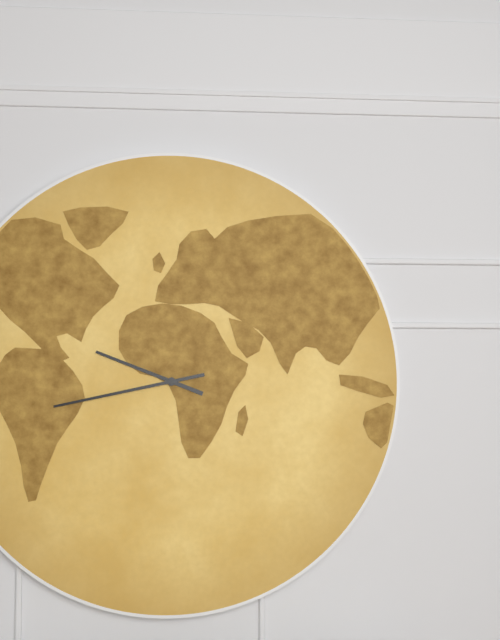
9.43
